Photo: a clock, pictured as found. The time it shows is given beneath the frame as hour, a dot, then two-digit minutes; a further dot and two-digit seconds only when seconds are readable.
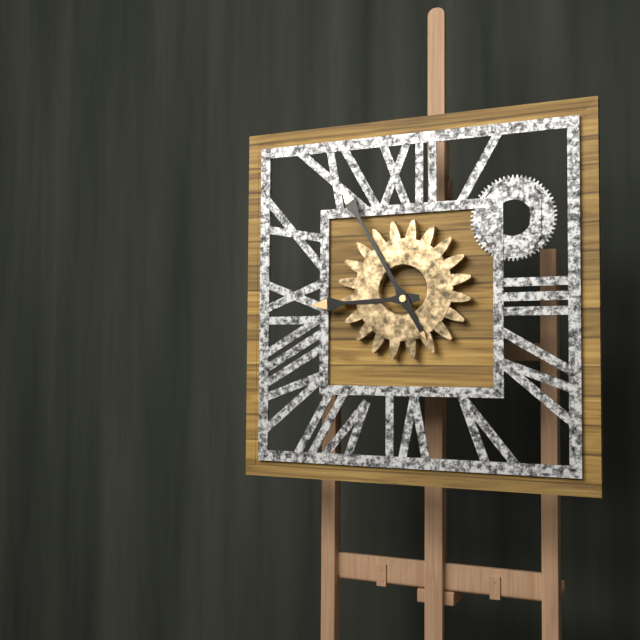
8.55
